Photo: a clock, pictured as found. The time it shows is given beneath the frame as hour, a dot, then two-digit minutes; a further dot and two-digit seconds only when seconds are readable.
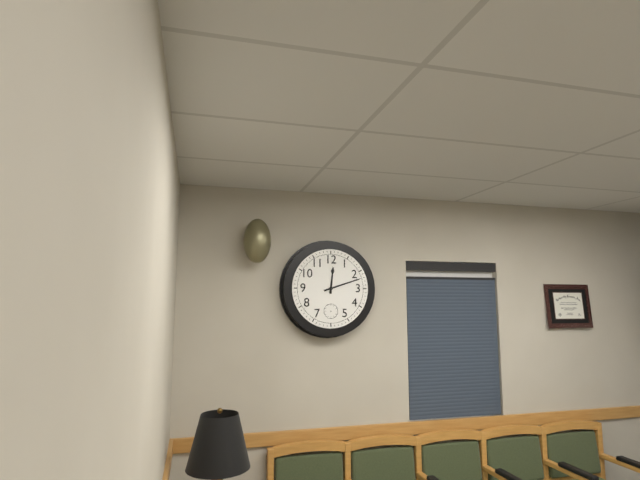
12.12
